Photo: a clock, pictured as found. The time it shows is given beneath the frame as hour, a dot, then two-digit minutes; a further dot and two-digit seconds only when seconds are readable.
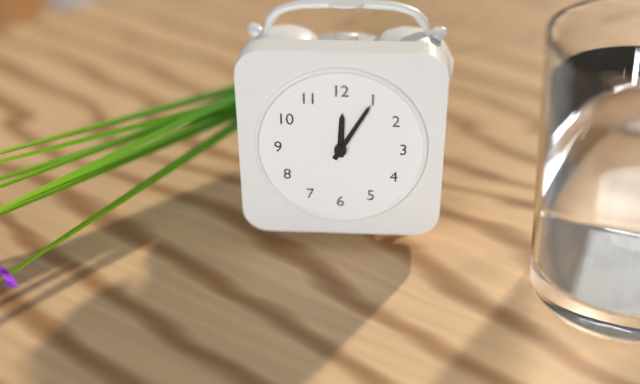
12.05
